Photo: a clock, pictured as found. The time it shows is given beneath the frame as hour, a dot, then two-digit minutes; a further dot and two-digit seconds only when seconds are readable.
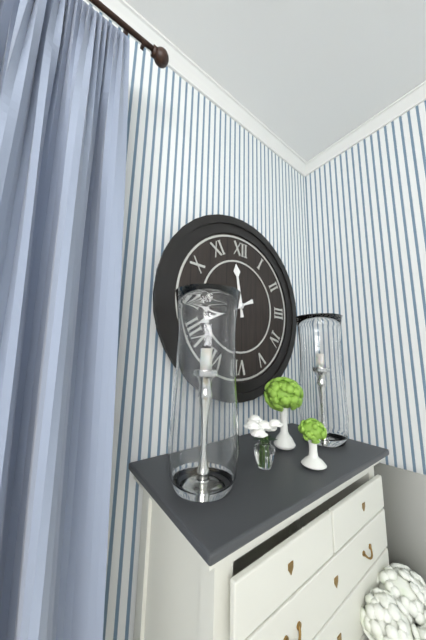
11.41
